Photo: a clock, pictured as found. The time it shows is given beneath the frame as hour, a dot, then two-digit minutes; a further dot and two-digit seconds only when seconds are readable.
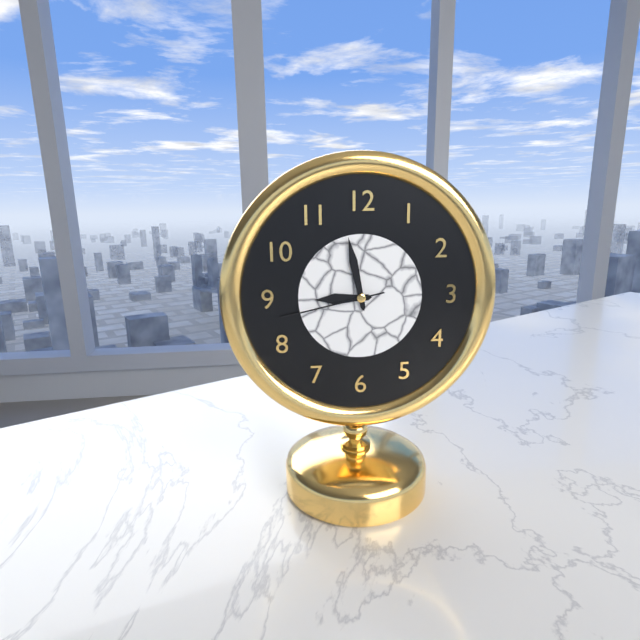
8.58.43
